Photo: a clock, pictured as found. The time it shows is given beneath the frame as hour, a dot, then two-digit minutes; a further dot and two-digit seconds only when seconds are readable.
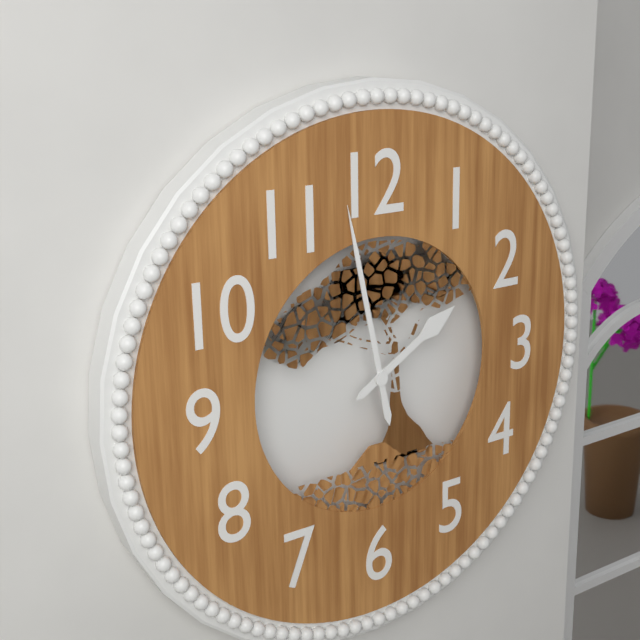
1.58
